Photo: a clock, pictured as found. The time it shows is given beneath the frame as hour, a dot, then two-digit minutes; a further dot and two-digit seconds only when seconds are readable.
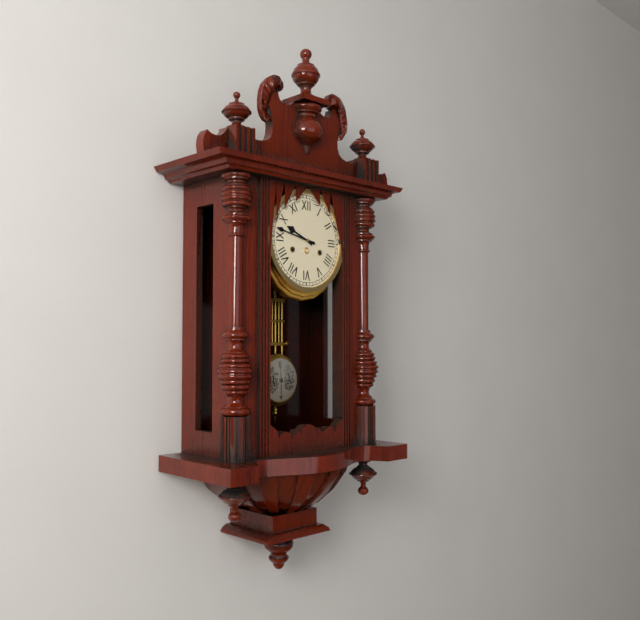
9.47
